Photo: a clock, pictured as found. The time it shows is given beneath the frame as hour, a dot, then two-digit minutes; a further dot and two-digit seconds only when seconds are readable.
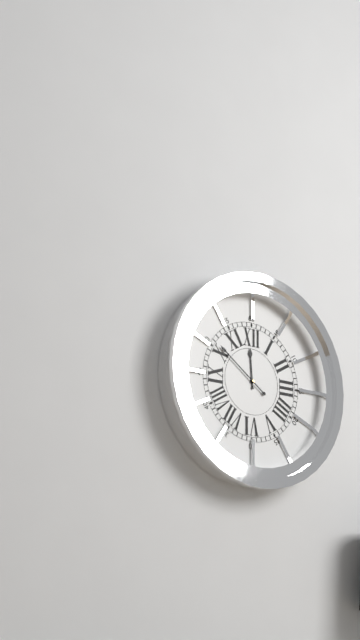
11.51
